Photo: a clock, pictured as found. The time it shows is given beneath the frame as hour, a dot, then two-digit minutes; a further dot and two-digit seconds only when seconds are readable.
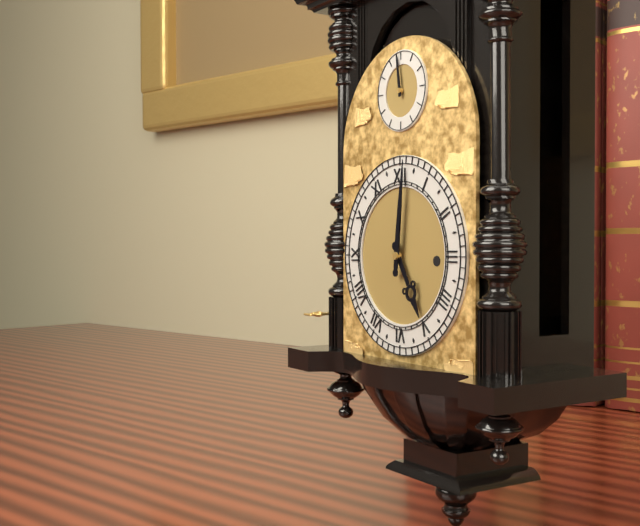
5.01
